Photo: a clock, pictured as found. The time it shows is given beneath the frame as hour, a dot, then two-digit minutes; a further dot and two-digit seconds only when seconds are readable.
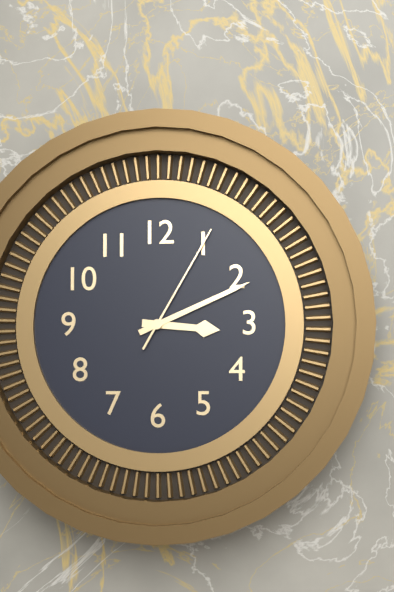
3.11.05
